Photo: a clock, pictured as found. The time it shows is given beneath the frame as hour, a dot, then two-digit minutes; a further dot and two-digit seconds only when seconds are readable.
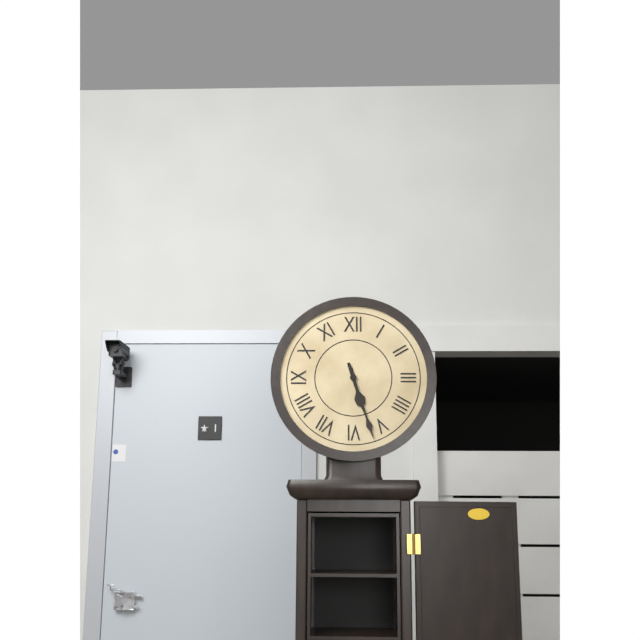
5.27
